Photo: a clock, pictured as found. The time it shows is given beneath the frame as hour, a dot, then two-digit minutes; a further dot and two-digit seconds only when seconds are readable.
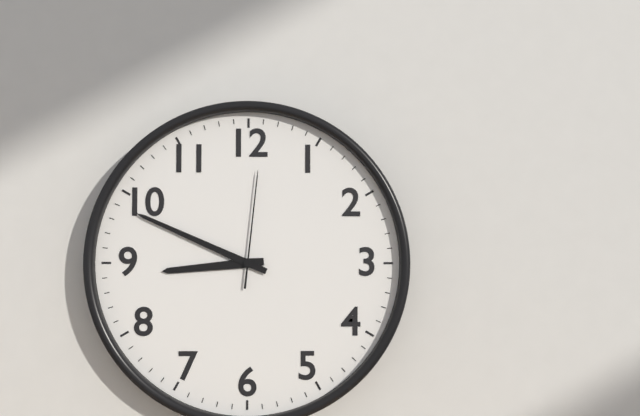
8.49.01
